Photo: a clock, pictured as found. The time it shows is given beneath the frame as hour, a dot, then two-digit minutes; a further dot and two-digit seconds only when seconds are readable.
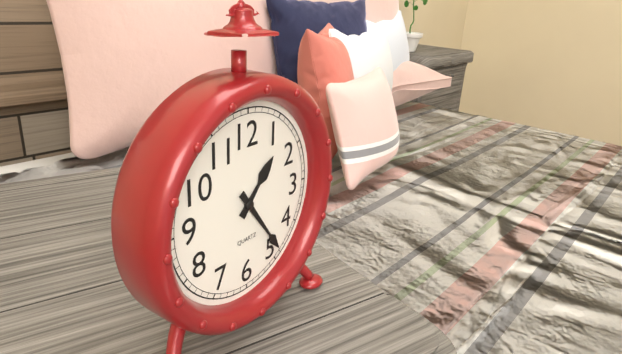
1.24
